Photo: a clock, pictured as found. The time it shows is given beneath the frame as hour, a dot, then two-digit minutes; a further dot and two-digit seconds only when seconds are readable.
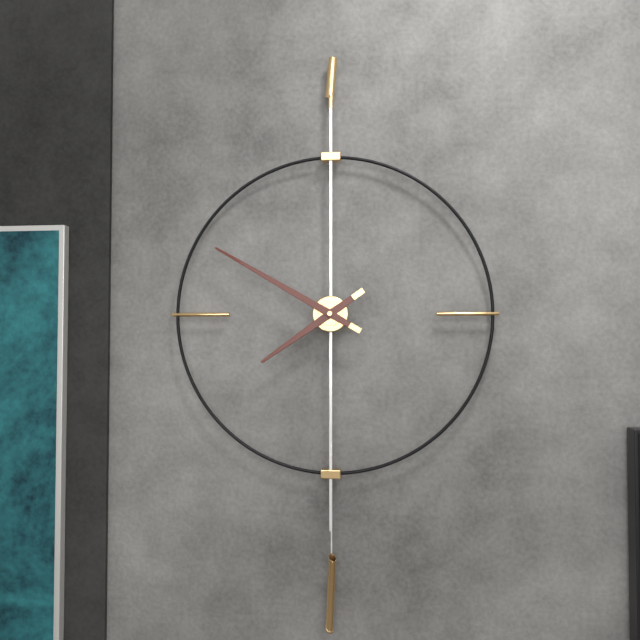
7.50
